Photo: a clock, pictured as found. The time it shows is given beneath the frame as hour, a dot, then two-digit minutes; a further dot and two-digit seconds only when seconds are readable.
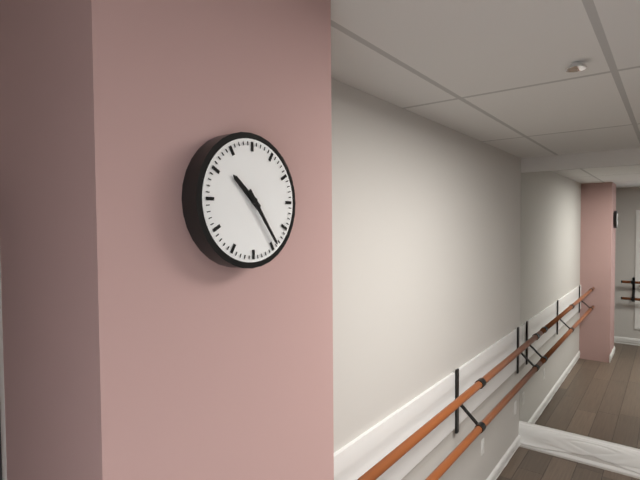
10.24
